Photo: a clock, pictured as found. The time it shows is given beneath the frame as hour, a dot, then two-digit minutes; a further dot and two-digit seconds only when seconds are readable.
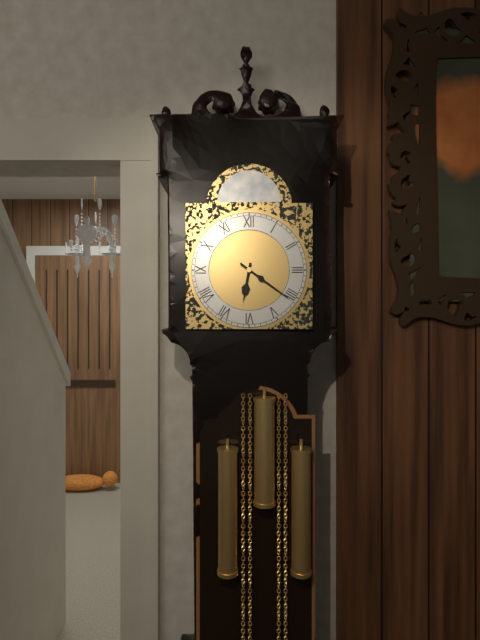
6.21
